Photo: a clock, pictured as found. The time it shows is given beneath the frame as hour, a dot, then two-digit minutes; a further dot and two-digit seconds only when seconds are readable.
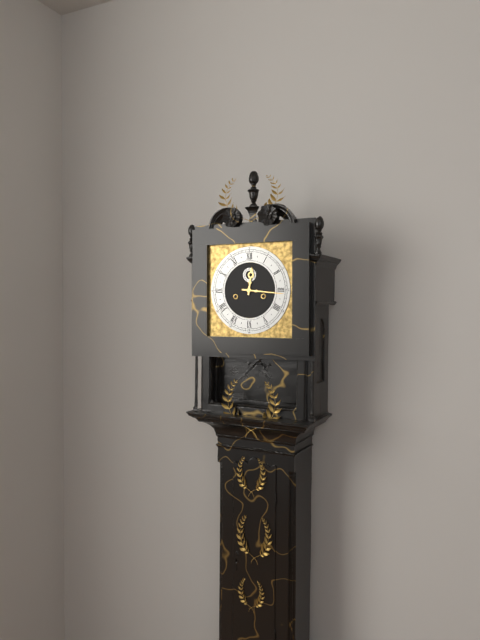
12.16
